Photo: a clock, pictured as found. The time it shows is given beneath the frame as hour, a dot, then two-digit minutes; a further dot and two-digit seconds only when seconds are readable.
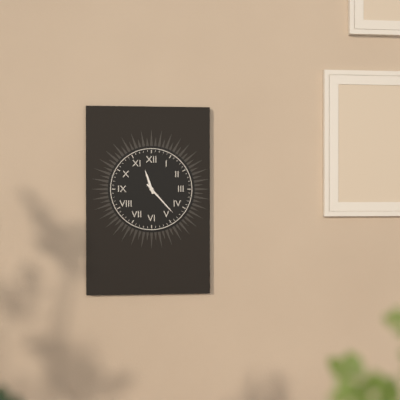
11.23
